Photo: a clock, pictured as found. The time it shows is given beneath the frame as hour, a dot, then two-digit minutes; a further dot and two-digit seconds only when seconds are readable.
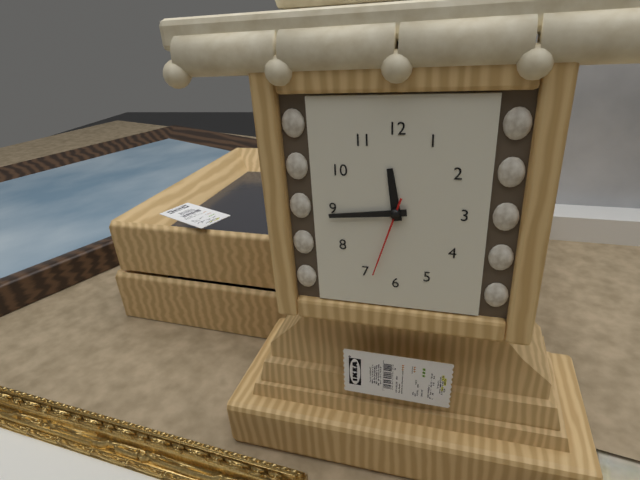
11.44.33
